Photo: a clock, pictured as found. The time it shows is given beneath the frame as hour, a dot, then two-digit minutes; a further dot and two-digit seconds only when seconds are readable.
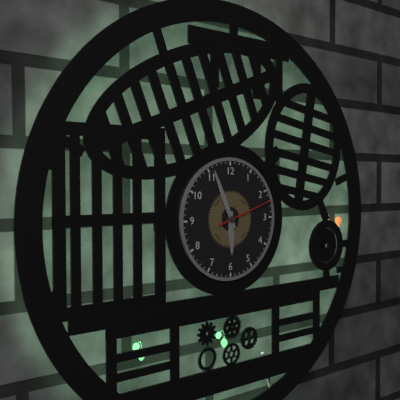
5.56.12
